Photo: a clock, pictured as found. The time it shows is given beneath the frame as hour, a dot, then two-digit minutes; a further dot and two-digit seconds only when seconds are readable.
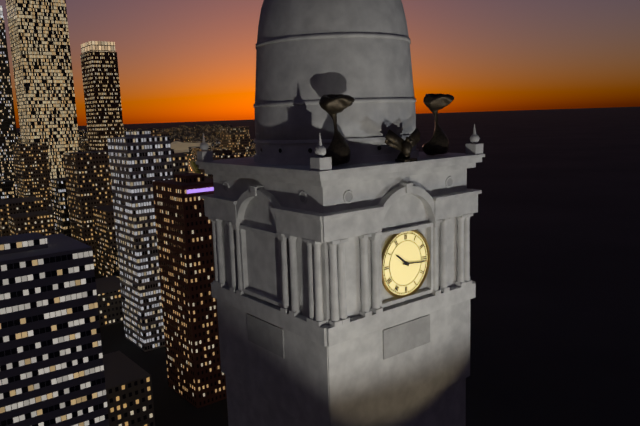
10.16
